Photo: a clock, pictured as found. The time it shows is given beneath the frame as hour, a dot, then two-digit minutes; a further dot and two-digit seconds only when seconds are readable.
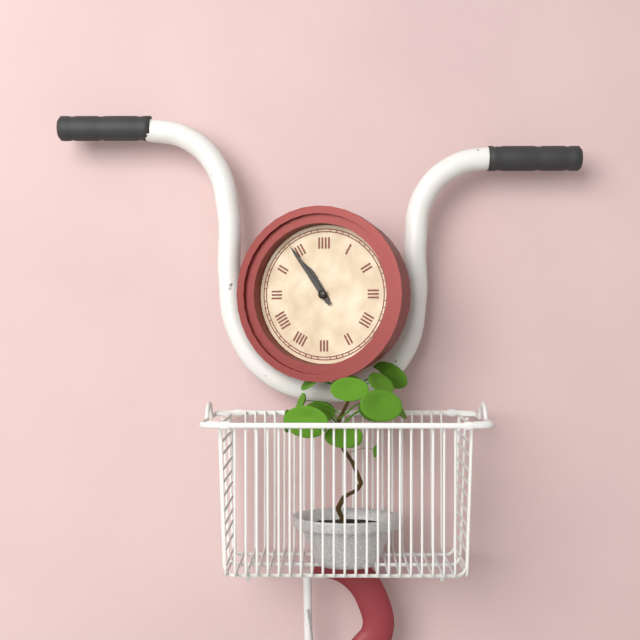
10.54
